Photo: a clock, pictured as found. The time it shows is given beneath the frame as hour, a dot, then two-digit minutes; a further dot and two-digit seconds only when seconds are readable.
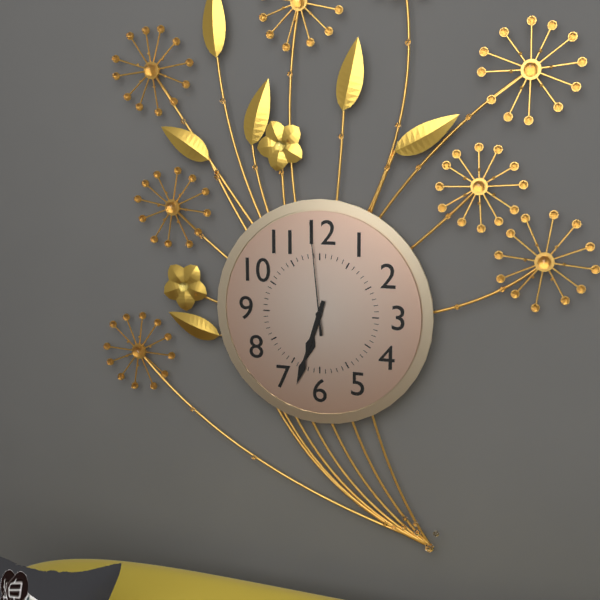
6.33.59
